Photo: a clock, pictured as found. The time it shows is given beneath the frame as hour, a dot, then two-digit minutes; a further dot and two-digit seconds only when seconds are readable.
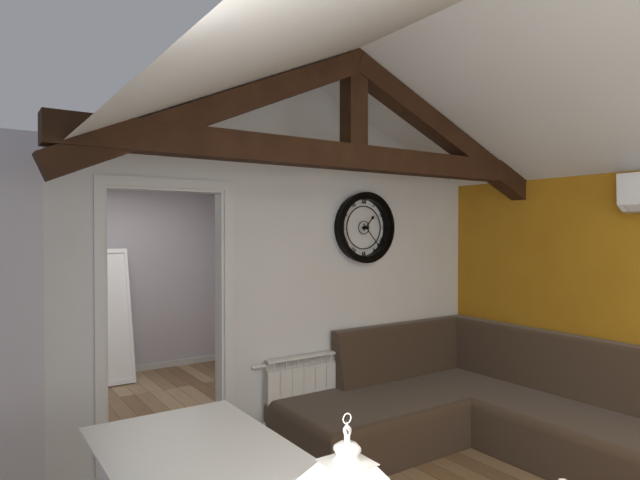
1.23
